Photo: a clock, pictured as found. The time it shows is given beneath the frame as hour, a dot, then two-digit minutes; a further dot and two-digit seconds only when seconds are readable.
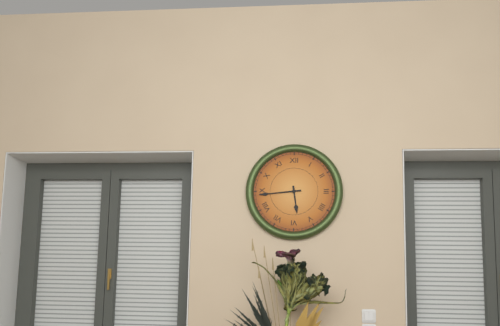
5.44
